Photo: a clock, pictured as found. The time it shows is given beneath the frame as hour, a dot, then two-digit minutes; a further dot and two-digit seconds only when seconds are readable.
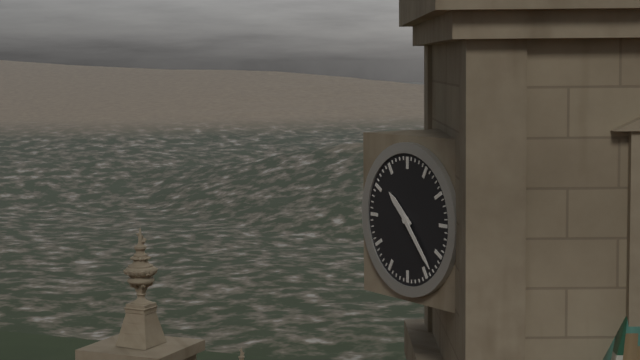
10.23
